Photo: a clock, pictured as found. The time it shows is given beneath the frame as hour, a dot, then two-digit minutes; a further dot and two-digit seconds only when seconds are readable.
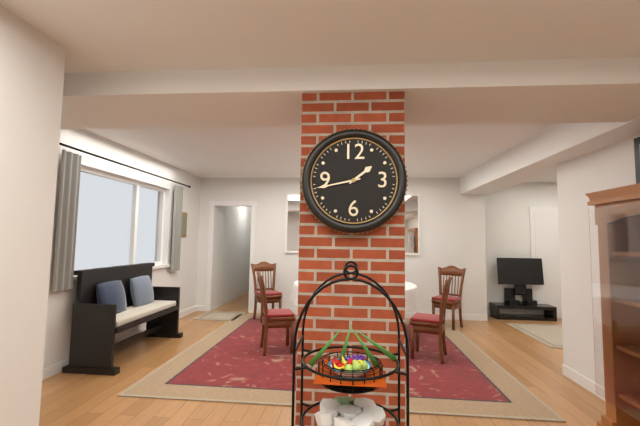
1.43
